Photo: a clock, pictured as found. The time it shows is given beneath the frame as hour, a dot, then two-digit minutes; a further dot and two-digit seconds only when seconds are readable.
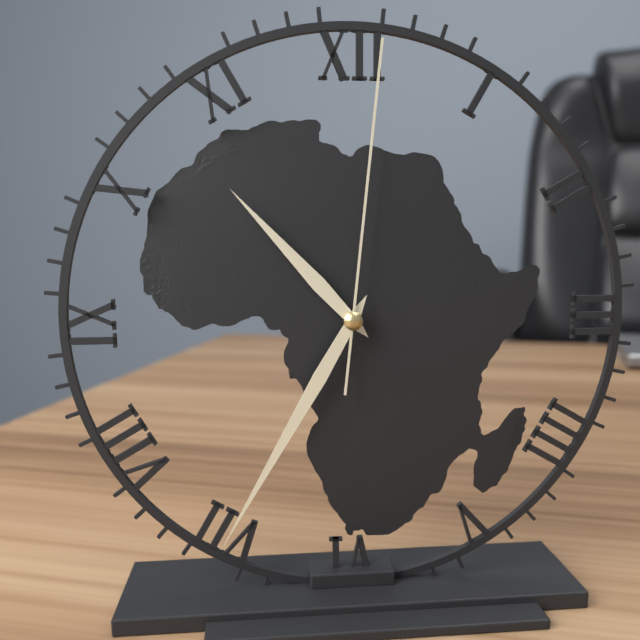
10.35.01
